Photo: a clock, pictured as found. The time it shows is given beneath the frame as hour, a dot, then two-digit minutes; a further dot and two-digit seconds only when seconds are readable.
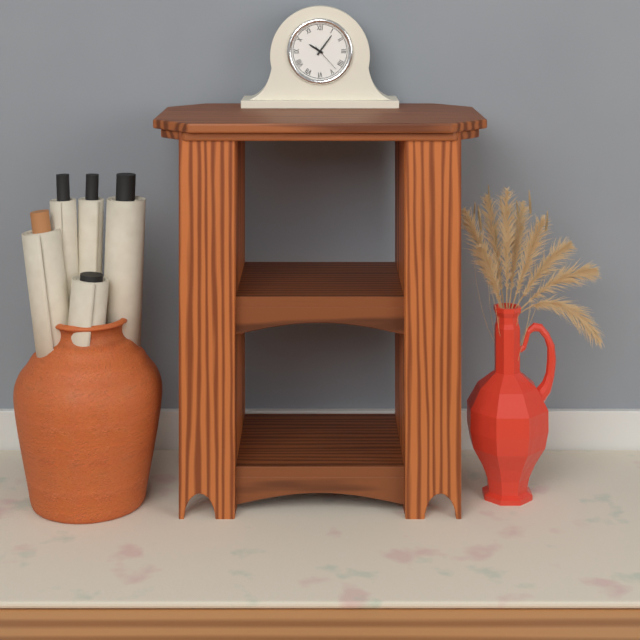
10.06
